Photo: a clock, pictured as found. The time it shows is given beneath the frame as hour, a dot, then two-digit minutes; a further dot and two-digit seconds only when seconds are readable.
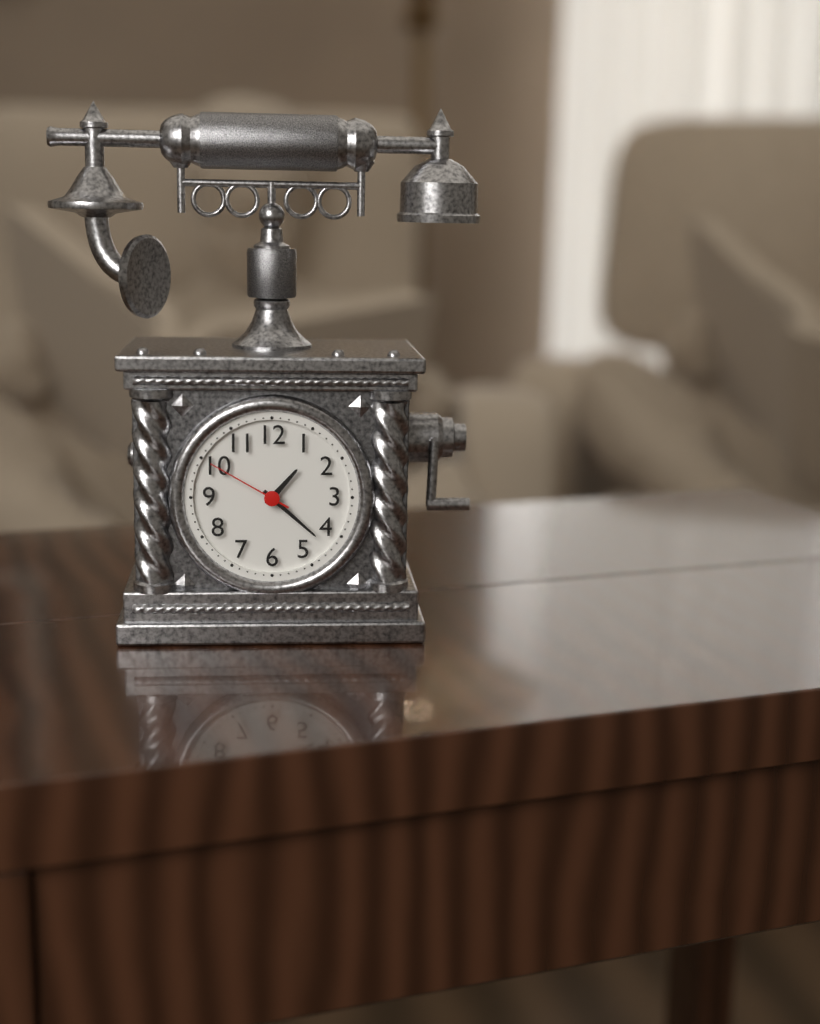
1.22.50
